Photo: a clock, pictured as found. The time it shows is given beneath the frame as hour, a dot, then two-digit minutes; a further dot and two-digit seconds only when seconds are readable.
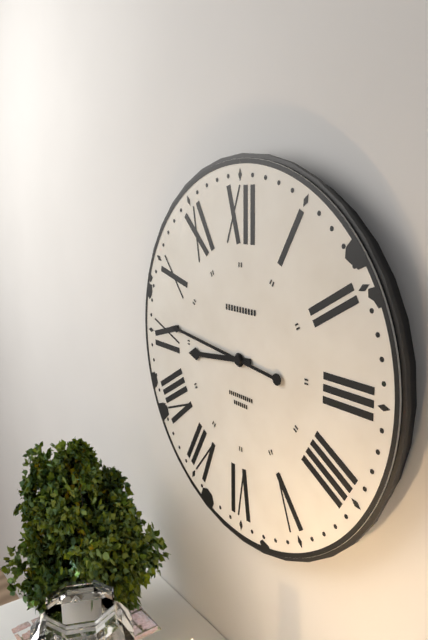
8.46
